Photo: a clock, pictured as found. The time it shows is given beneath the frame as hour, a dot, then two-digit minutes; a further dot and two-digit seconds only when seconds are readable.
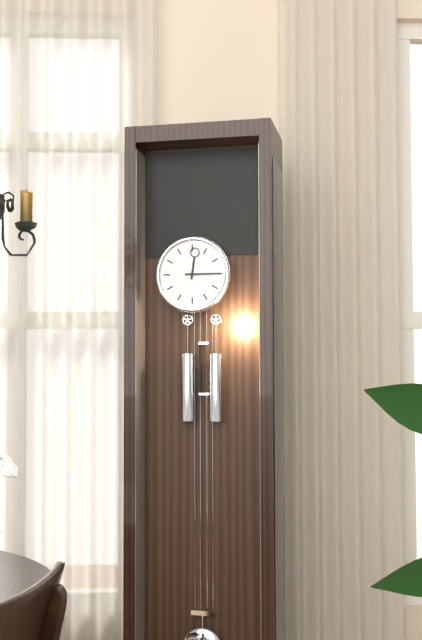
12.15
